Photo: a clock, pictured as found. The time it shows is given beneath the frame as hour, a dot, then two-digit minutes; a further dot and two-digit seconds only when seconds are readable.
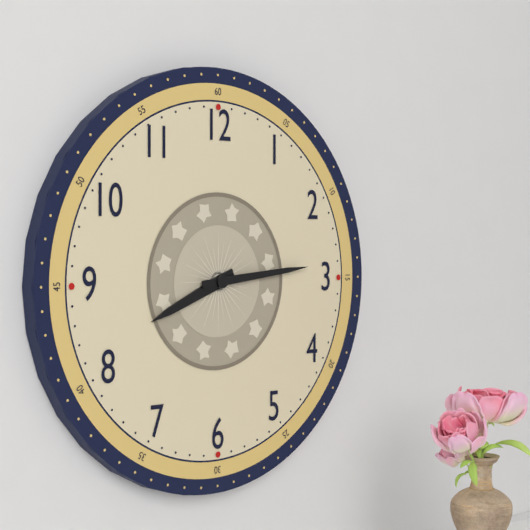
8.14
